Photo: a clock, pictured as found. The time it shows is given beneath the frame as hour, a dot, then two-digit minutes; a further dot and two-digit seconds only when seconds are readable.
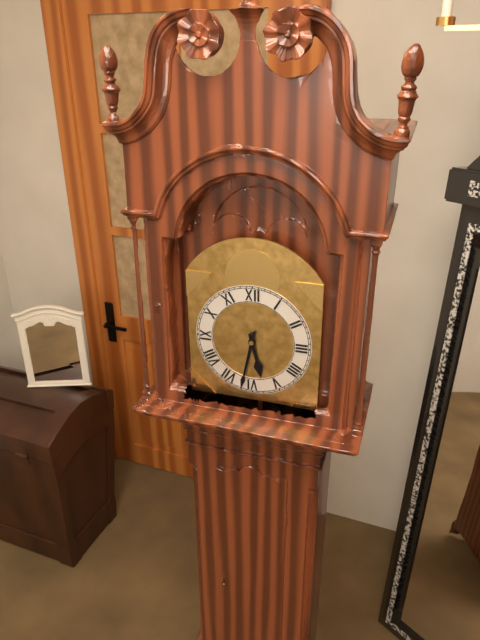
5.32
